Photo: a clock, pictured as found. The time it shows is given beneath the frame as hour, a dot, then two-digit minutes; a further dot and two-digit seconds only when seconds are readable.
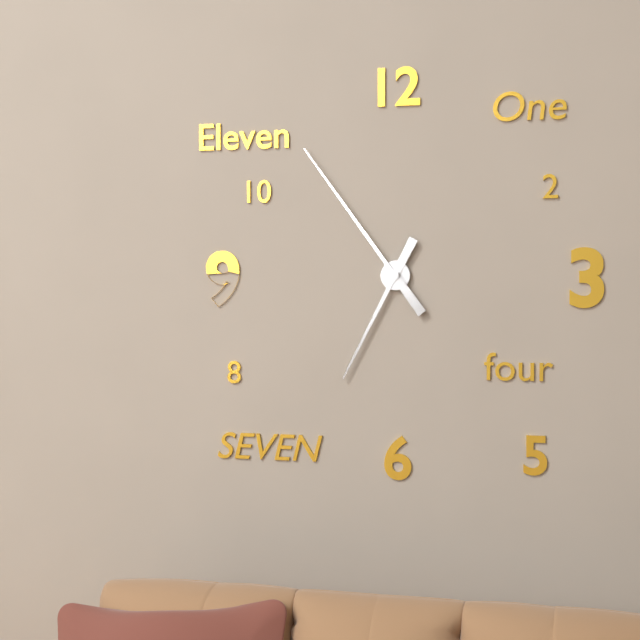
6.54
